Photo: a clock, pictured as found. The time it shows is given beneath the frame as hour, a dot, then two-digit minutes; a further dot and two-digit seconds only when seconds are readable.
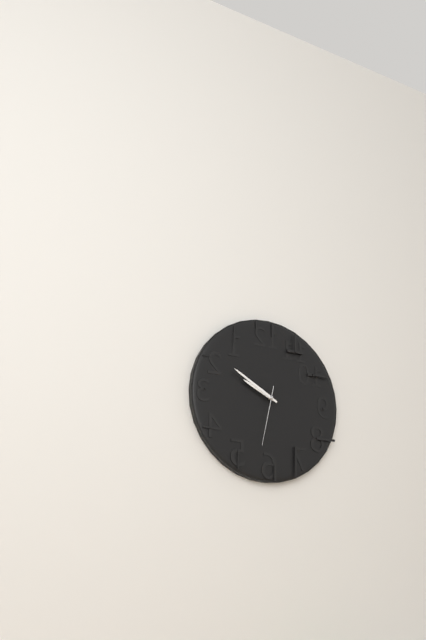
9.50.32
